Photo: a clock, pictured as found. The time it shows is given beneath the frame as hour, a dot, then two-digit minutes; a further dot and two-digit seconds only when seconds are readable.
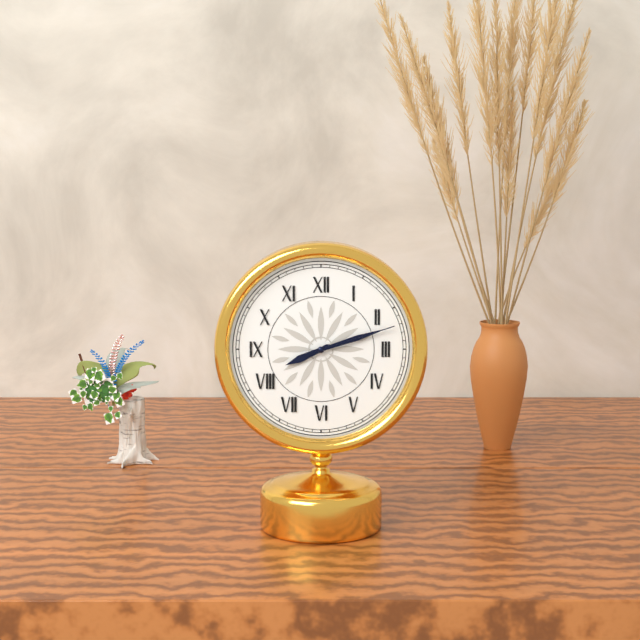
8.12.12
